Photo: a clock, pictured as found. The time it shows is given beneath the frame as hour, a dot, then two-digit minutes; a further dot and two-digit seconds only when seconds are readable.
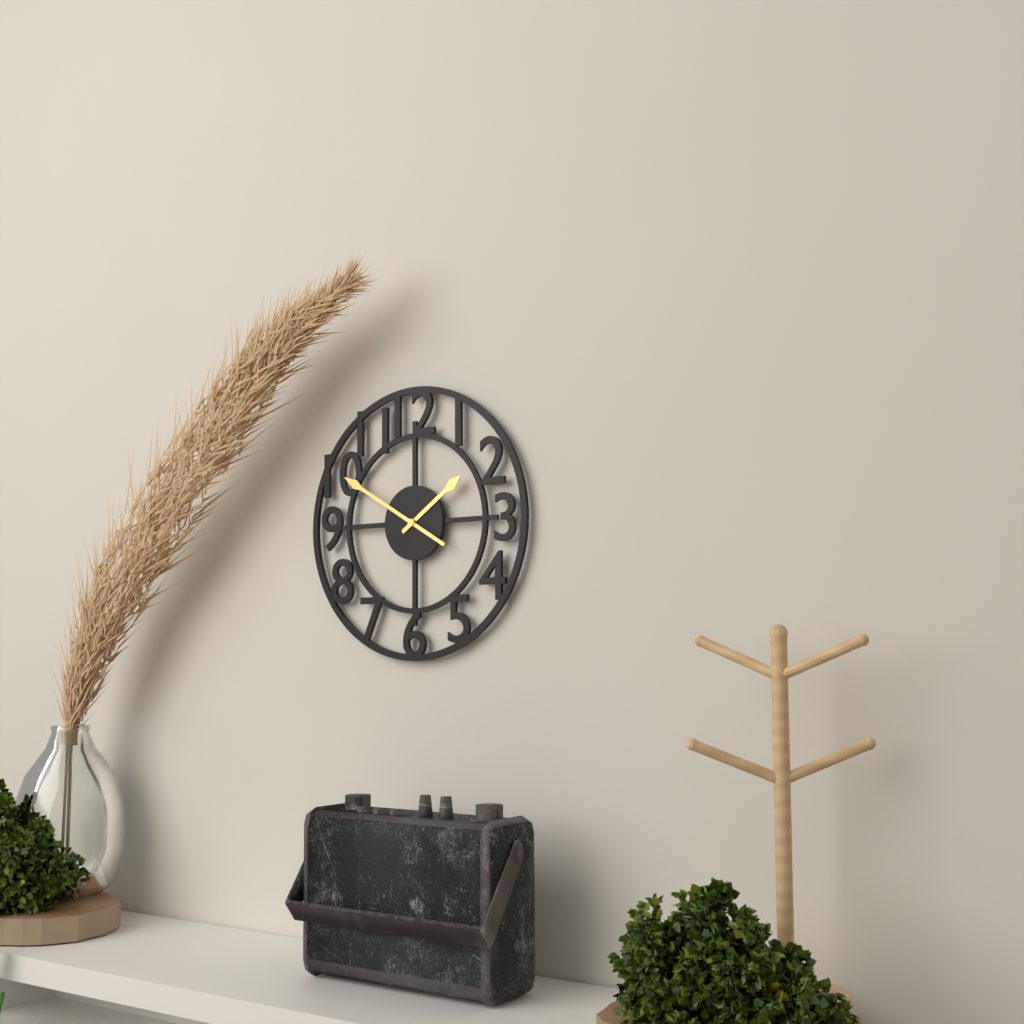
1.50
